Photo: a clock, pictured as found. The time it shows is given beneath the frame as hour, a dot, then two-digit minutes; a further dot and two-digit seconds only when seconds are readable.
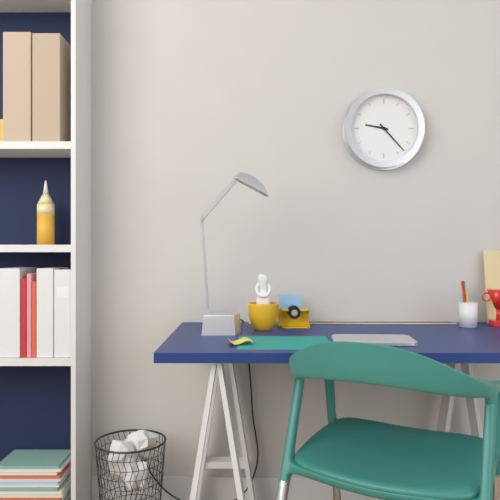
9.23
